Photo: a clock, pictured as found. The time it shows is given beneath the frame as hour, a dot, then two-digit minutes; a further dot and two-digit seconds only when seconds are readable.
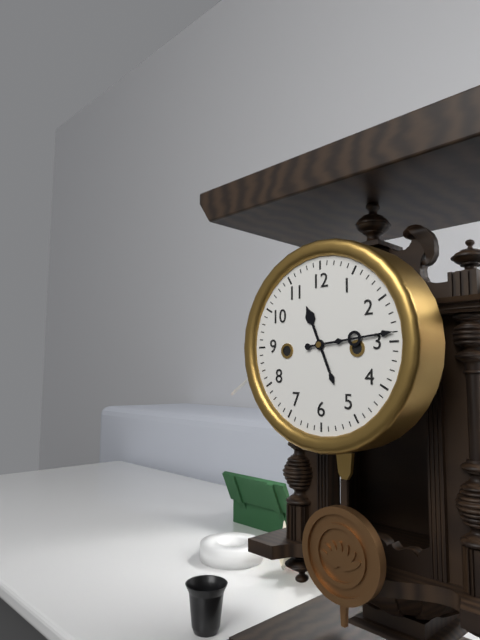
11.14
